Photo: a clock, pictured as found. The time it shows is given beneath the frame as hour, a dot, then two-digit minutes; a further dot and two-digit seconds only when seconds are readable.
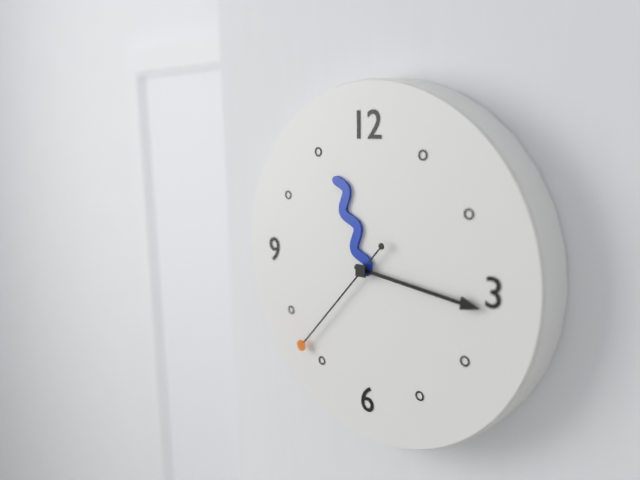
11.16.37
